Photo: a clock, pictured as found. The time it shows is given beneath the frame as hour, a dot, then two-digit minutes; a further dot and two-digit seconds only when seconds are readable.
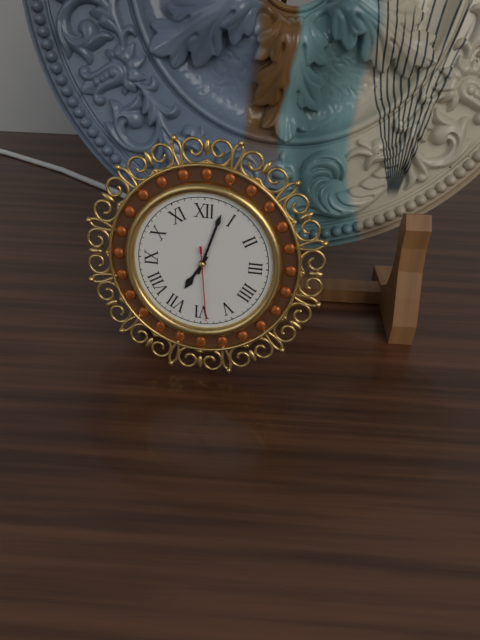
7.03.29
